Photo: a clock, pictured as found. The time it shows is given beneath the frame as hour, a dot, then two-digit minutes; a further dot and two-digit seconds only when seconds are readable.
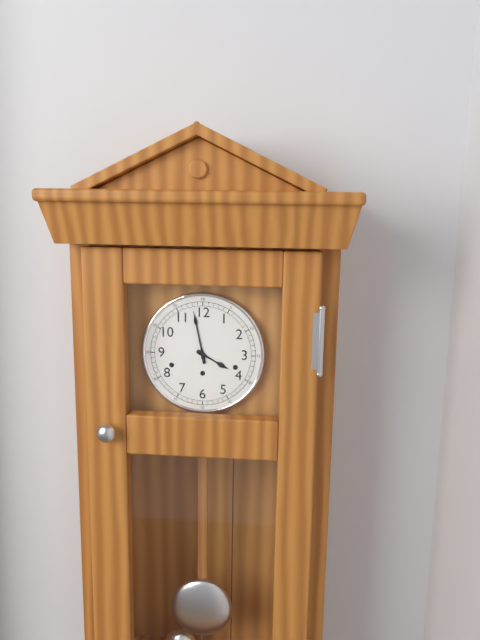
3.58
